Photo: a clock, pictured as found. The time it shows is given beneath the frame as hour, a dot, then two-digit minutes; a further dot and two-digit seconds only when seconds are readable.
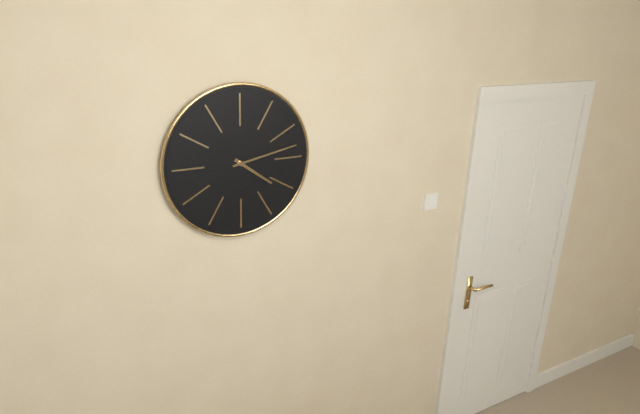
4.13
